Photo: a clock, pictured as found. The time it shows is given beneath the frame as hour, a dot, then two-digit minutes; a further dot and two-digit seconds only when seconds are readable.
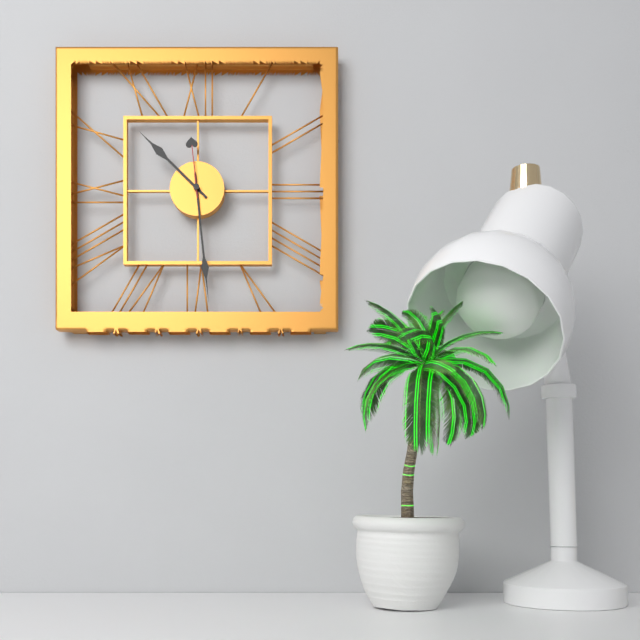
10.29.59
